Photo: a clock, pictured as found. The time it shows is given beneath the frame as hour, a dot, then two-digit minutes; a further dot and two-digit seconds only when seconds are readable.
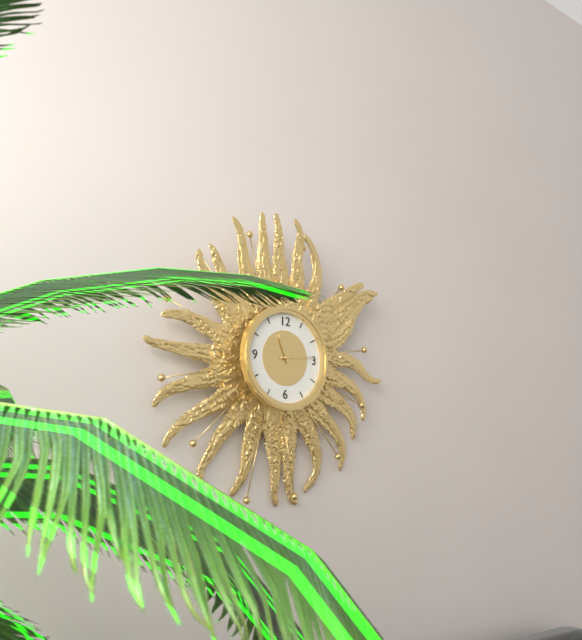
11.14
